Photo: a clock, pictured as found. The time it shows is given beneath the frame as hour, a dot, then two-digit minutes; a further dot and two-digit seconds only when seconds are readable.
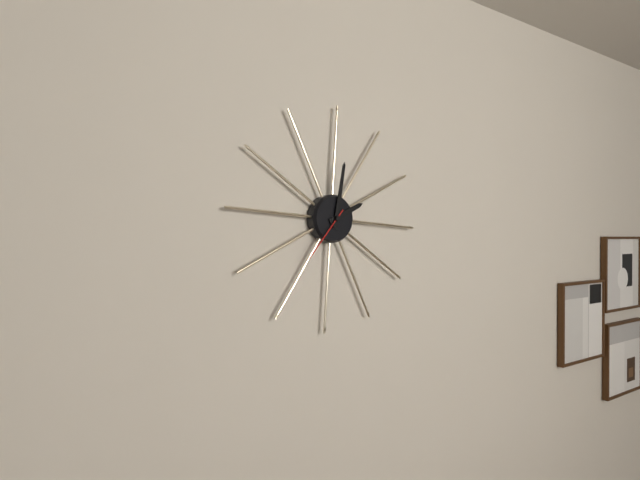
2.01.36
